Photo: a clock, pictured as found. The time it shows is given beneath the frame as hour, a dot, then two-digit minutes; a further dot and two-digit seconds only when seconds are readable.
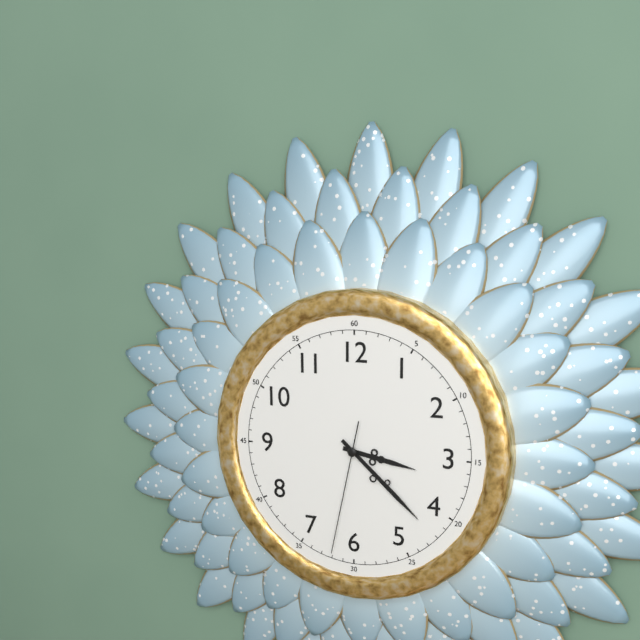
3.22.32
